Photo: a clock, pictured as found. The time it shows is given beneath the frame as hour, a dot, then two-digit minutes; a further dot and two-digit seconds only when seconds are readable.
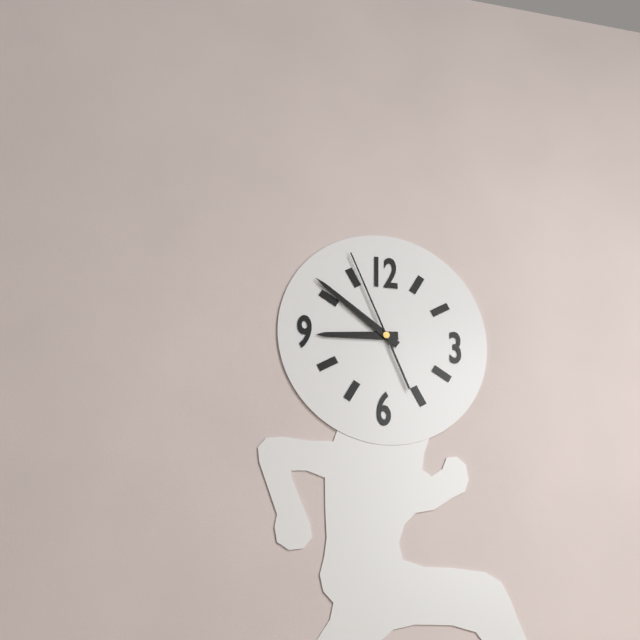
8.51.56
